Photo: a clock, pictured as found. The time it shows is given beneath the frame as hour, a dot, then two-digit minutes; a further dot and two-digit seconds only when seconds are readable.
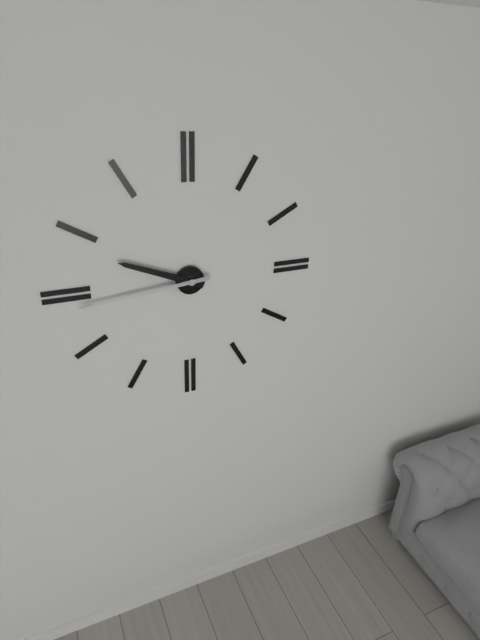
9.44
